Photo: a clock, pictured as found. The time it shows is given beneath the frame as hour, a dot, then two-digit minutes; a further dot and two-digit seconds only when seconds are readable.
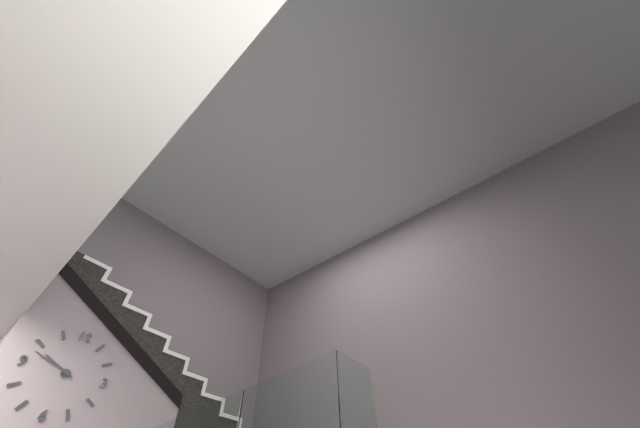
9.48
